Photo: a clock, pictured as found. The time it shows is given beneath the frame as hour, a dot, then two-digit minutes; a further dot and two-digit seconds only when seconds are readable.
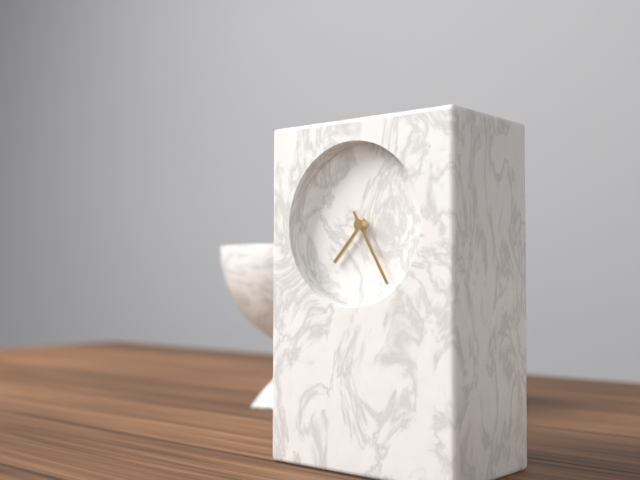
7.25
